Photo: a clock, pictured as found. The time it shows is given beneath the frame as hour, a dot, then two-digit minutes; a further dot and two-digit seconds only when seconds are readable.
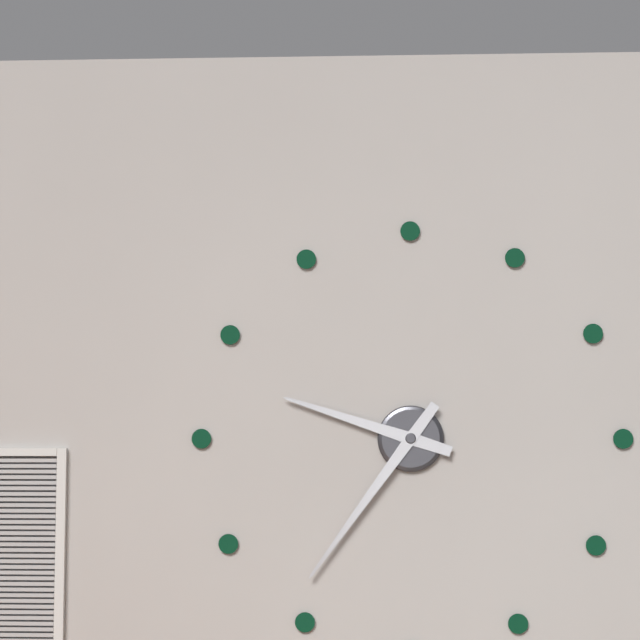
9.36
